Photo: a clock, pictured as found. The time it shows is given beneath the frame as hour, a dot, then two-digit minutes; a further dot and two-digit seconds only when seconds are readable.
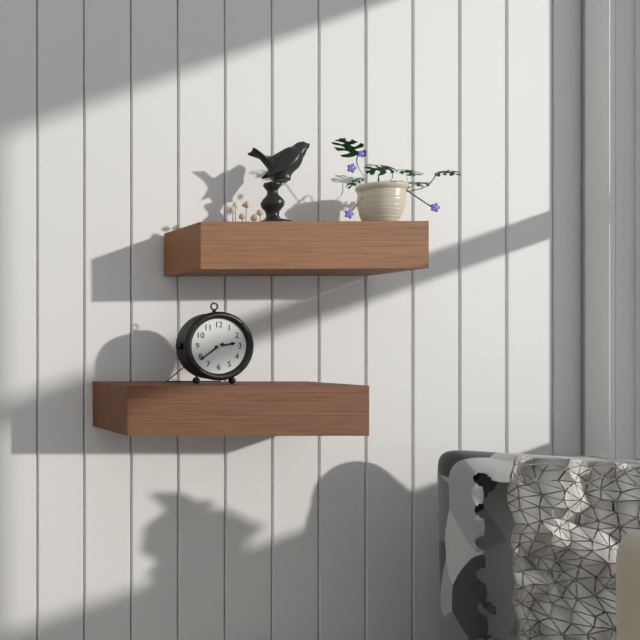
2.39
